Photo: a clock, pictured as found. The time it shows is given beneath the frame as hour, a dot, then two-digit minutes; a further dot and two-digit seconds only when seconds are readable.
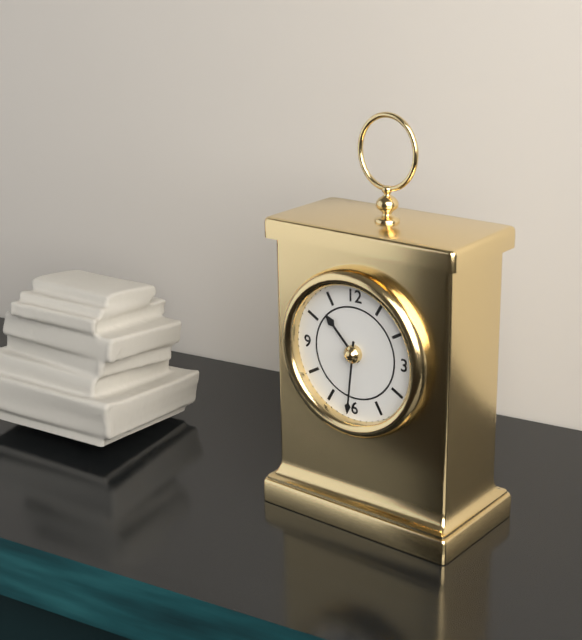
10.31
